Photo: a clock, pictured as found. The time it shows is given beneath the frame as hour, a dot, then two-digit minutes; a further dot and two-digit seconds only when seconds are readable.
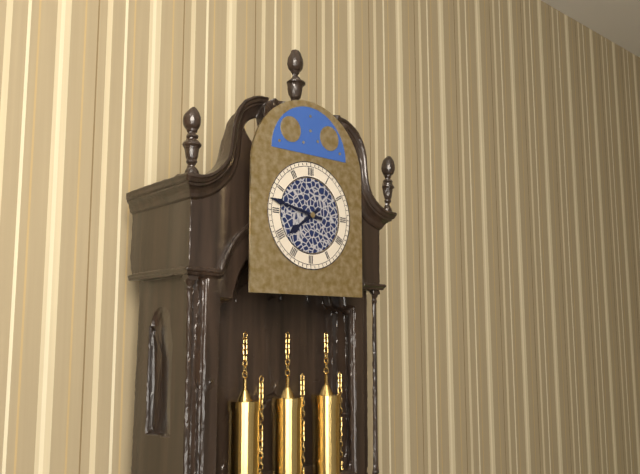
7.47
